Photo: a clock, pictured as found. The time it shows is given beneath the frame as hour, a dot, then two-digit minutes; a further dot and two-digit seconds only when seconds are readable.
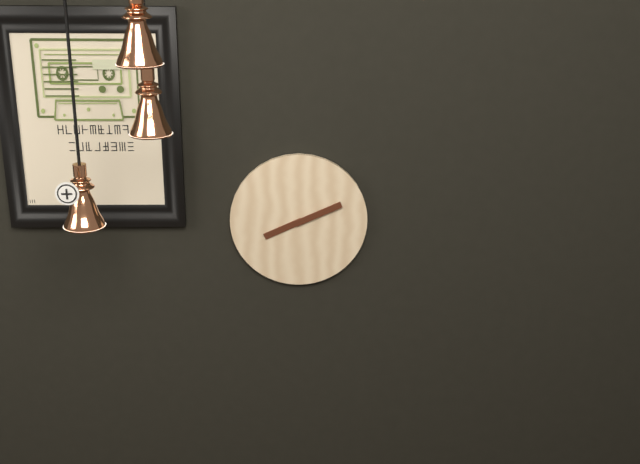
8.11
